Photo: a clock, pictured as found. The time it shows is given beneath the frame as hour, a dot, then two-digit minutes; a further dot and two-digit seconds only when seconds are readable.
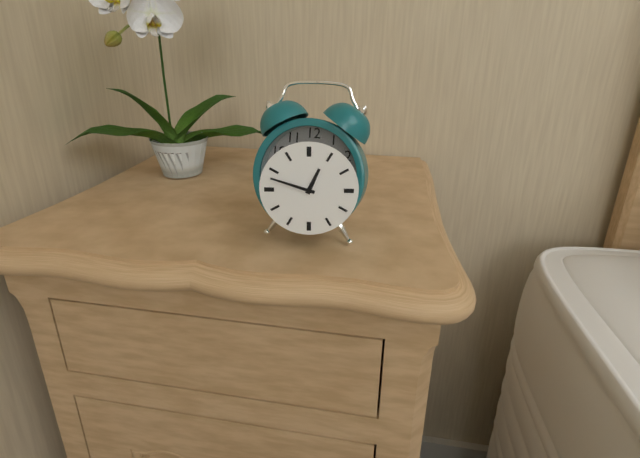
12.48
